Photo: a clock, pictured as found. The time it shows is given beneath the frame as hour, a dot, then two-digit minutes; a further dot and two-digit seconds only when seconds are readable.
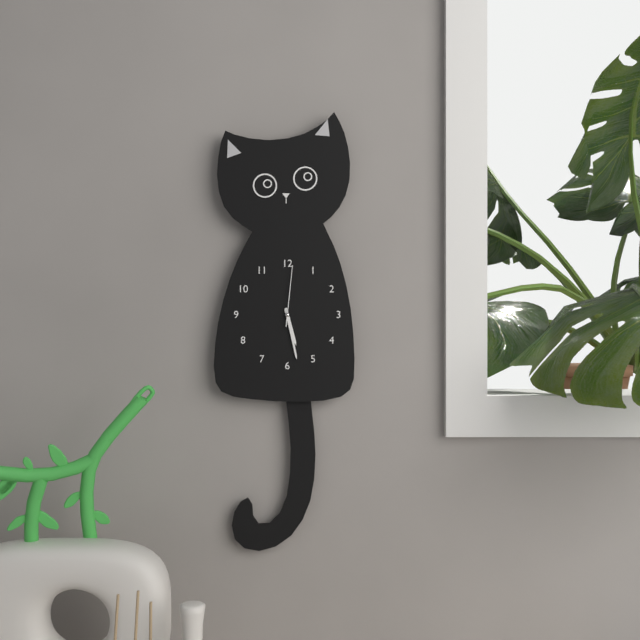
5.28.01
